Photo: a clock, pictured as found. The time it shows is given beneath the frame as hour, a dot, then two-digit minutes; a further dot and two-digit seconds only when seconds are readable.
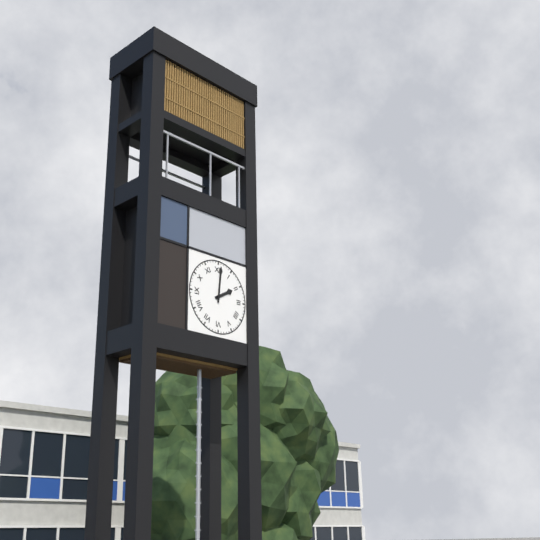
2.01
